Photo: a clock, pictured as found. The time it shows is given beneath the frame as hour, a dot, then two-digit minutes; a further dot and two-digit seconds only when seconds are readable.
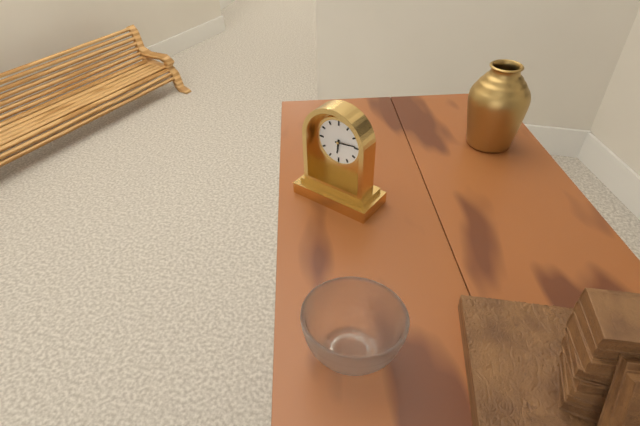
6.14
